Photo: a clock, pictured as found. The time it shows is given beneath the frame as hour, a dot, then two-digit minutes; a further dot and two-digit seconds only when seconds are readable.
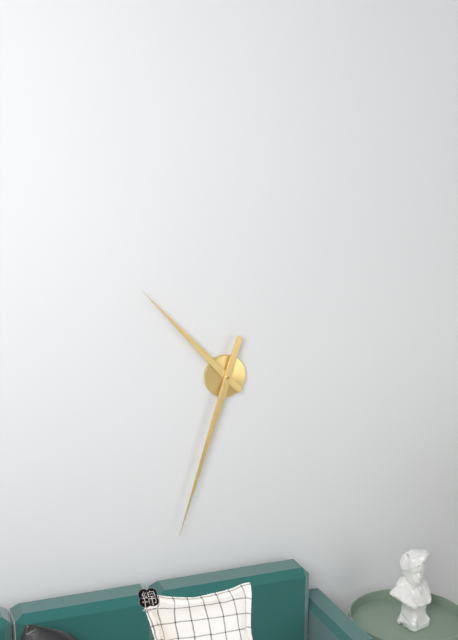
10.33
